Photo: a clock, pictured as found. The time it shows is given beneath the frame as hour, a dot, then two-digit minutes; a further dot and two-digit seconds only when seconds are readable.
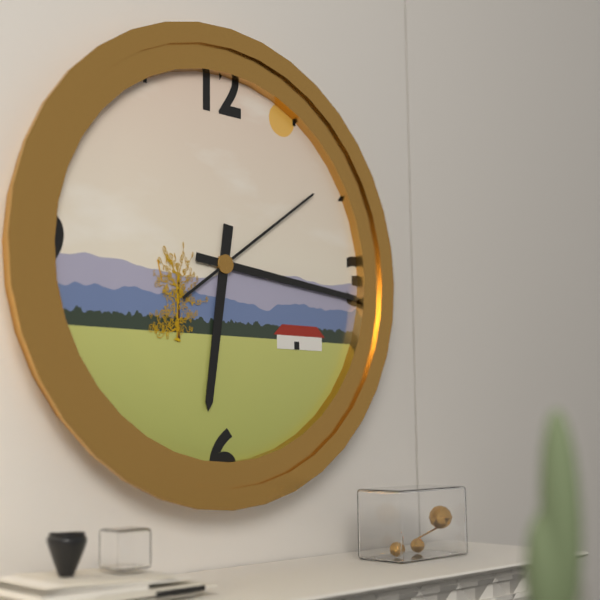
6.16.09
